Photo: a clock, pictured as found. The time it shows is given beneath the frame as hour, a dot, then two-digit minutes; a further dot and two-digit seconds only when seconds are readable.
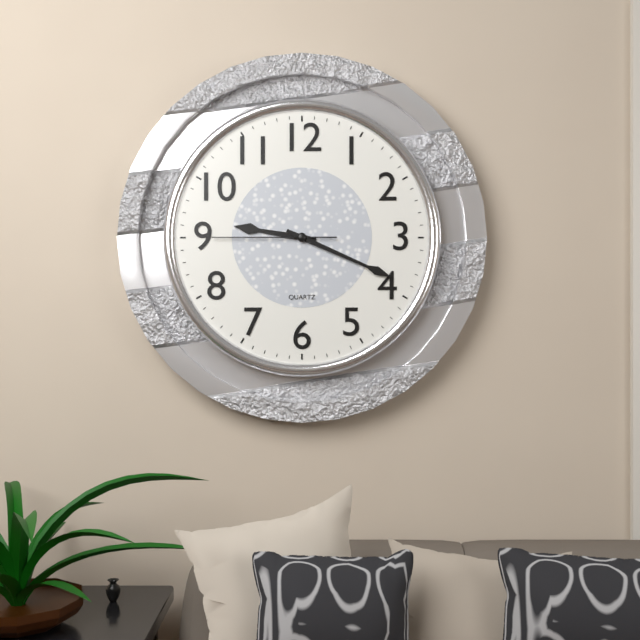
9.19.45
